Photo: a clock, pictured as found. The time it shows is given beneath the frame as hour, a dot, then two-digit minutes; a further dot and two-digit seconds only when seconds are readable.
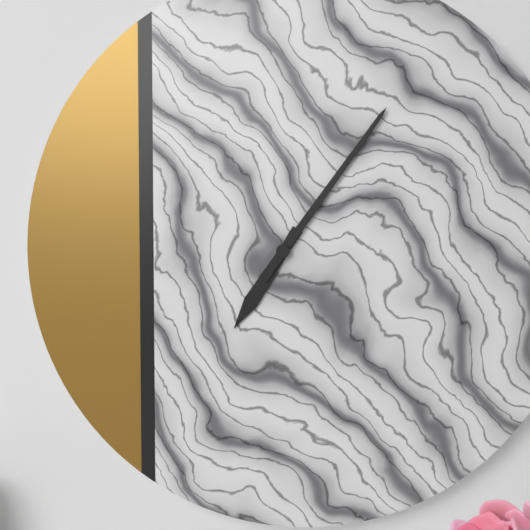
7.06
